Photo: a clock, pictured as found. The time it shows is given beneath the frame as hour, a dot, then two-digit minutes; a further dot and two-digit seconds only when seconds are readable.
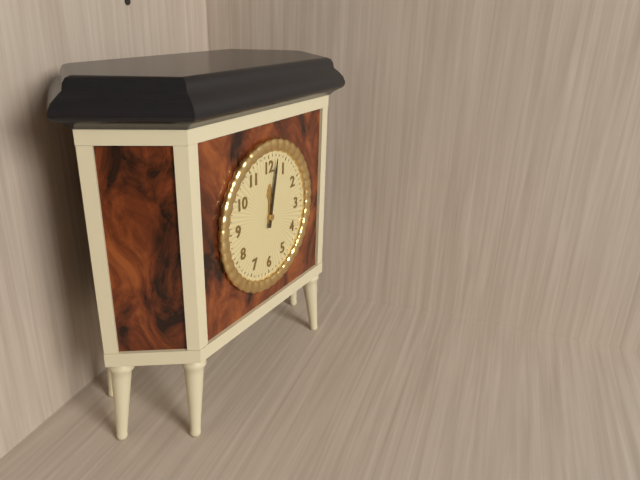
12.02
